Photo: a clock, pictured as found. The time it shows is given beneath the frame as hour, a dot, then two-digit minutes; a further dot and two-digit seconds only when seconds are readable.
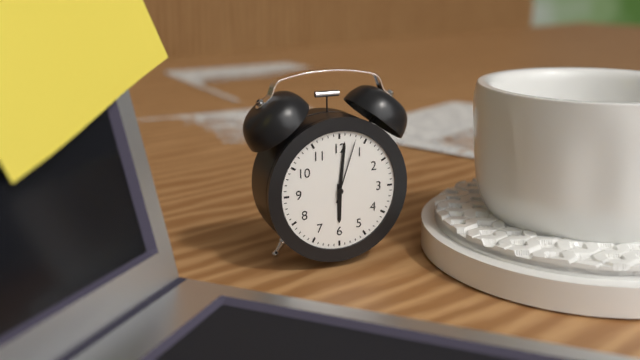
6.01.03
